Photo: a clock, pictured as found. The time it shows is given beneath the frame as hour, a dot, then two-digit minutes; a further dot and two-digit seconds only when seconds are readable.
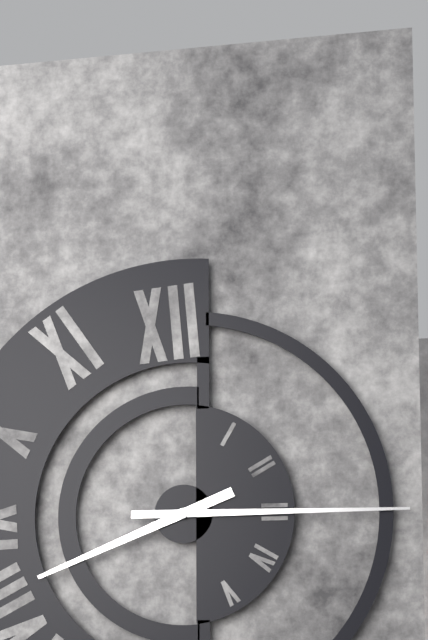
8.15
